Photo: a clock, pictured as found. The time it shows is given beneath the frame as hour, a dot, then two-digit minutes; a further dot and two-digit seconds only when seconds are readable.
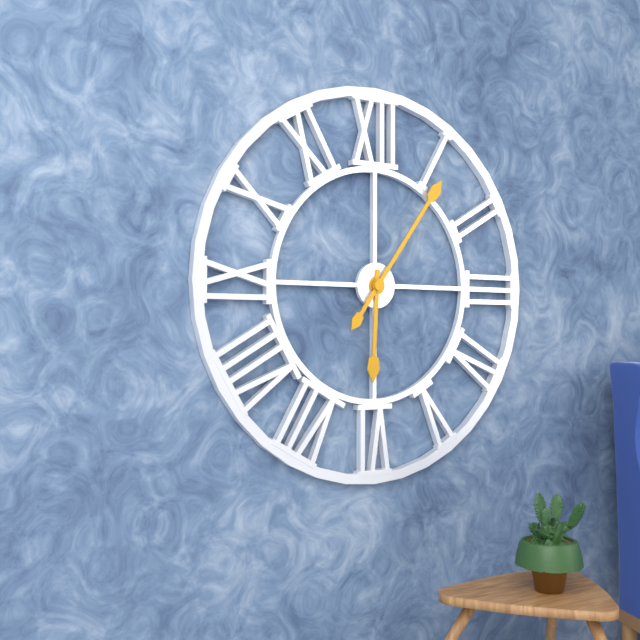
6.06
